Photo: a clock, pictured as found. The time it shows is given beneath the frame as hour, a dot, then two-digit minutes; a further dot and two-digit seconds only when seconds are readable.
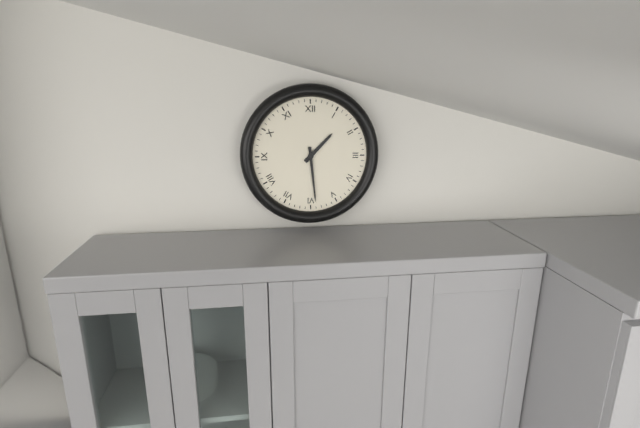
1.29
